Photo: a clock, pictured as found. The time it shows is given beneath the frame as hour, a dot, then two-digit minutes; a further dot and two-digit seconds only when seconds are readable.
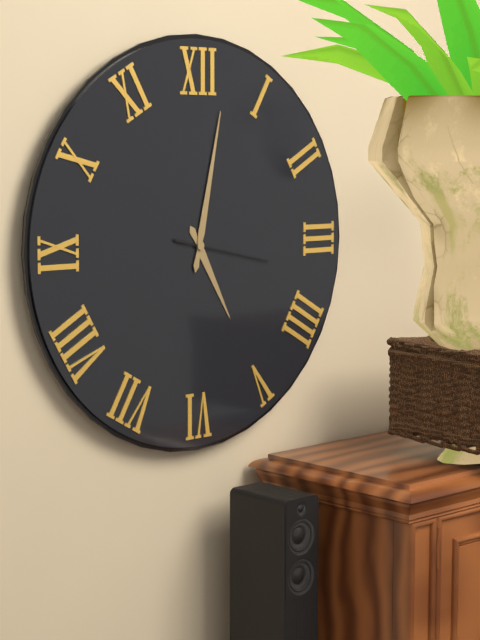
5.02.17
